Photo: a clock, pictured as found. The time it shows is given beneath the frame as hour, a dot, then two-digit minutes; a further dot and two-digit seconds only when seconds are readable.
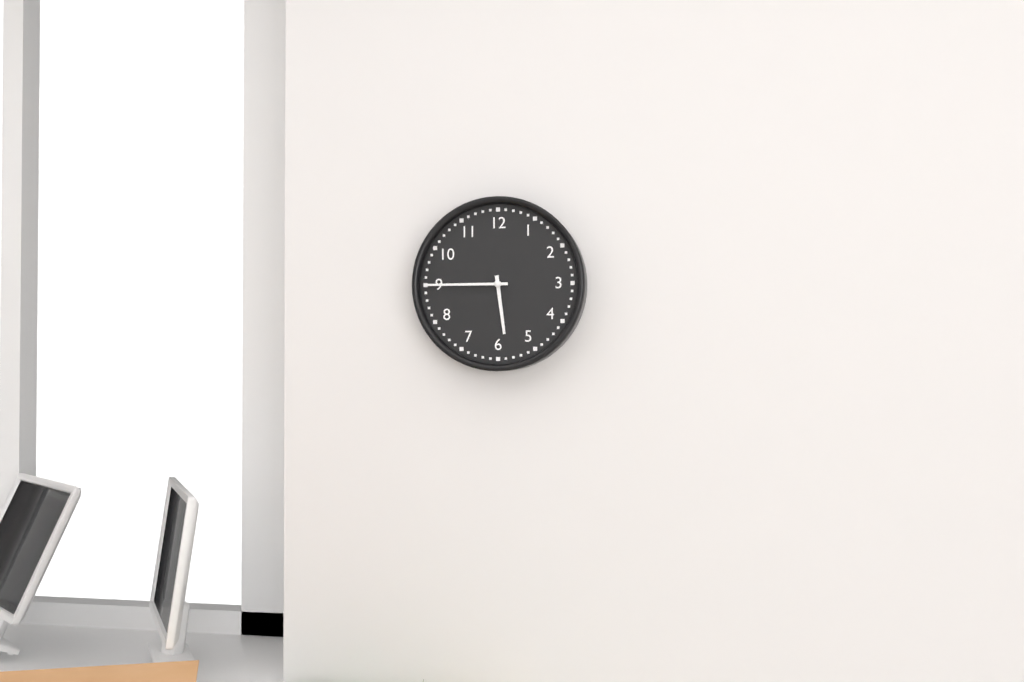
5.45
